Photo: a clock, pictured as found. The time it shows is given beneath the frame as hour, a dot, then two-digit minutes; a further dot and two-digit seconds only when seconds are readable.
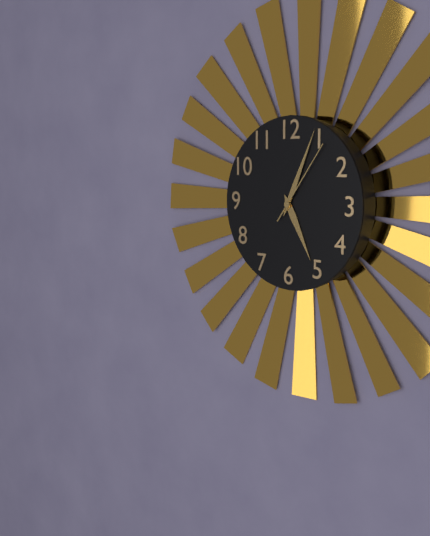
5.04.06
